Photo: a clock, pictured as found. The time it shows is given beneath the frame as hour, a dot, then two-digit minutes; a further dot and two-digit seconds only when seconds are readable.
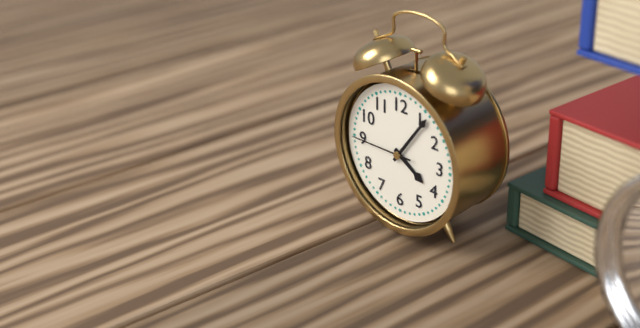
4.06.45
